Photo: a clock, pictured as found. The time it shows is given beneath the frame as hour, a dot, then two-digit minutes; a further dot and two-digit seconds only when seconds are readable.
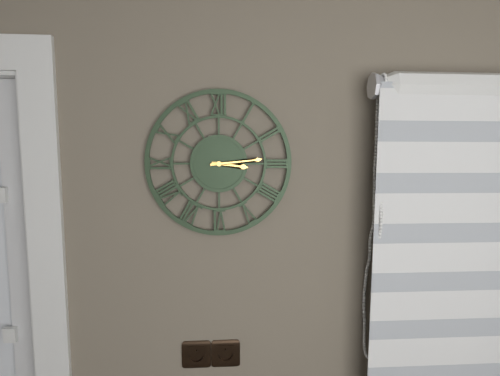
3.14
